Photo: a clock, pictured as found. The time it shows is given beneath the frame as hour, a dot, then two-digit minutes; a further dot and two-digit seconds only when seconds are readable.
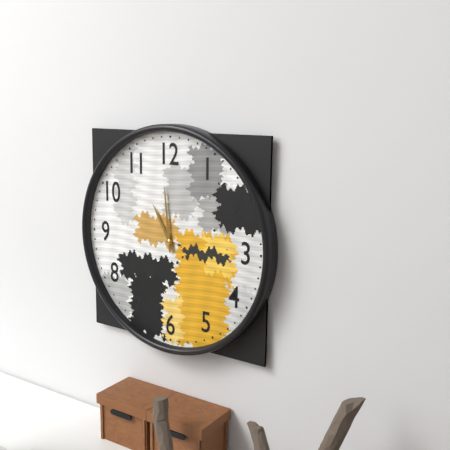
10.59
